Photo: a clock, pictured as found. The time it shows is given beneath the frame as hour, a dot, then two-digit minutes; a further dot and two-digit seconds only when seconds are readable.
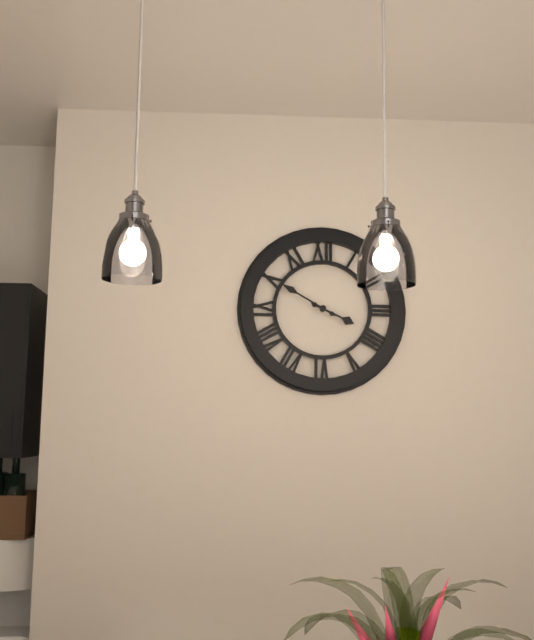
3.50
